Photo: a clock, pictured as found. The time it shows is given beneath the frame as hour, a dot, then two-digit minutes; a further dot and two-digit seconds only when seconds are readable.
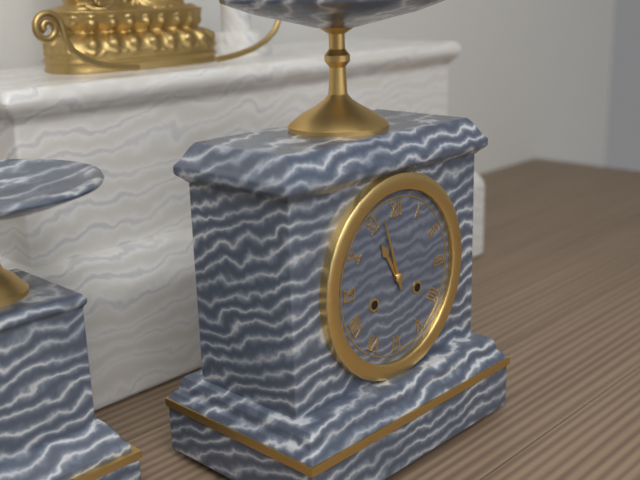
10.57
